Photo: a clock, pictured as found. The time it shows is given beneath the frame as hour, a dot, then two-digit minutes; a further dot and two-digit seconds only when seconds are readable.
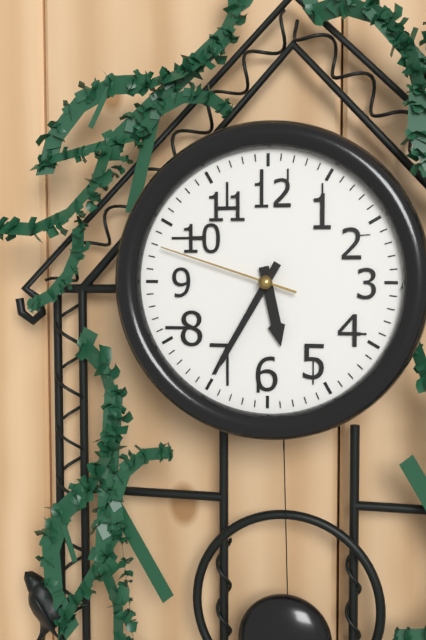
5.35.48
